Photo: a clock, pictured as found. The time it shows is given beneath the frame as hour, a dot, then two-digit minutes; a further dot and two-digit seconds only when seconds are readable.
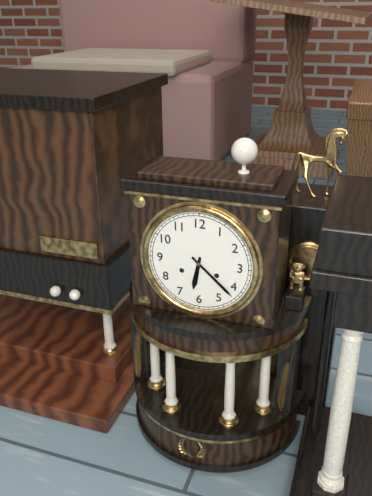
6.22
